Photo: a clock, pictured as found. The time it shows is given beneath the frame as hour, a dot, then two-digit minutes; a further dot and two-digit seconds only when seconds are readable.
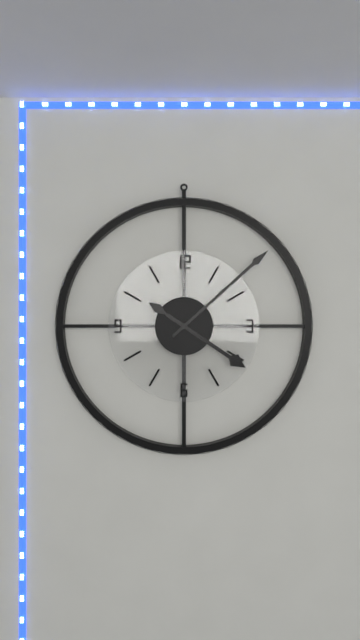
4.08
